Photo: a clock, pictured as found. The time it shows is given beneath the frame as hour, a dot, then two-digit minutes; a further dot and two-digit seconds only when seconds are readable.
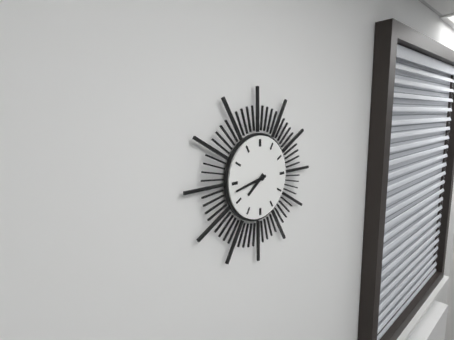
7.43
